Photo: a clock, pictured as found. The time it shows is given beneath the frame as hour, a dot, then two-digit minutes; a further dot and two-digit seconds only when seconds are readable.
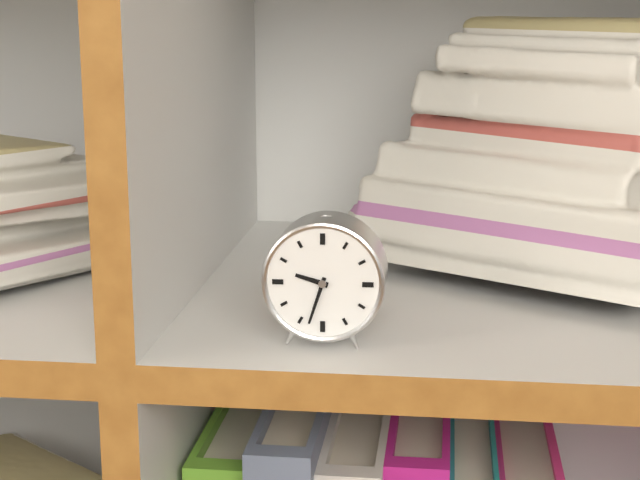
9.33
